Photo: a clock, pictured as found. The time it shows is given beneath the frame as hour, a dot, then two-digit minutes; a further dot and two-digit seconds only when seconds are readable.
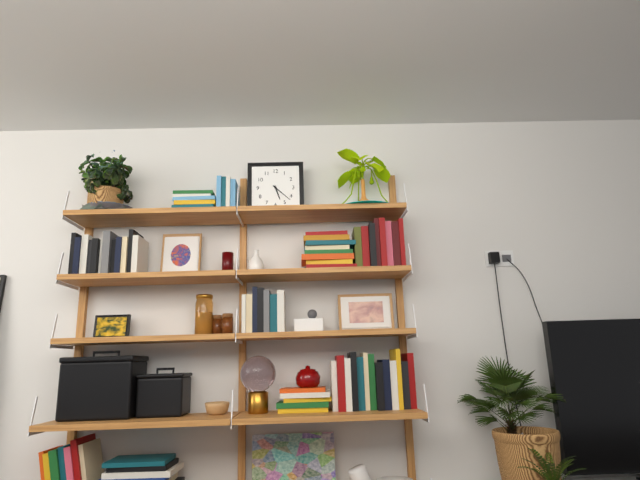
5.22
